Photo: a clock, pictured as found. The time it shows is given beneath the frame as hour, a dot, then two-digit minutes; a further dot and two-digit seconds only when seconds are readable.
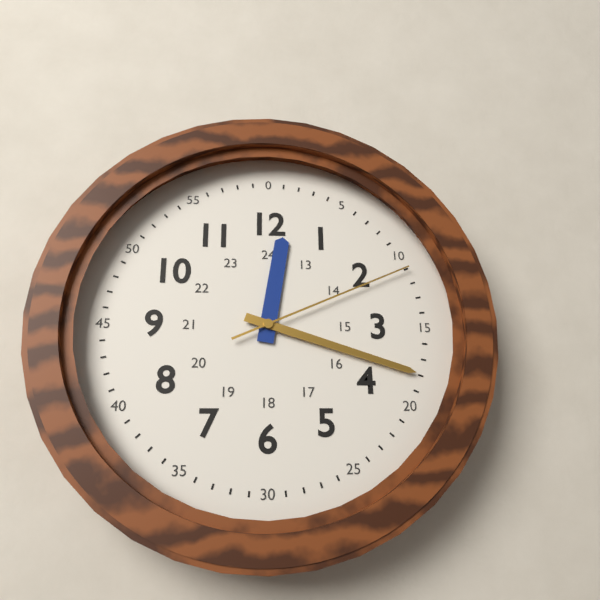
12.18.11
